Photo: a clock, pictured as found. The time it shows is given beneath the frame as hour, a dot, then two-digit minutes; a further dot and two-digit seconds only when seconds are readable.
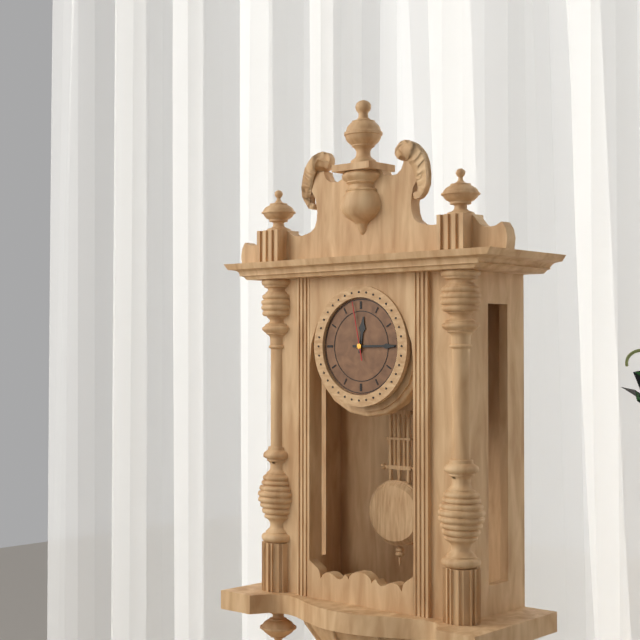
12.15.58
